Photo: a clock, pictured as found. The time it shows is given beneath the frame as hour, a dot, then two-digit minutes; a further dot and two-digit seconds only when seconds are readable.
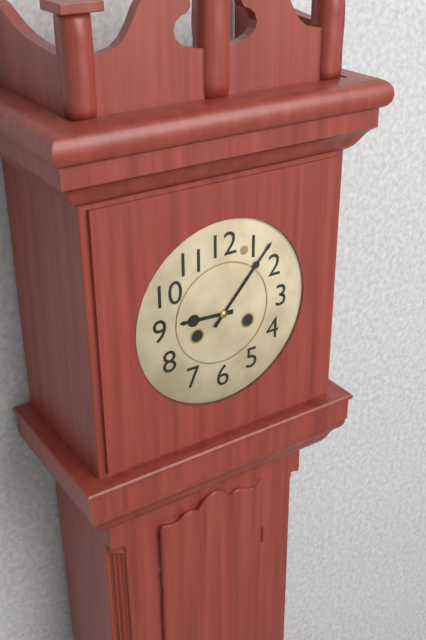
9.07
